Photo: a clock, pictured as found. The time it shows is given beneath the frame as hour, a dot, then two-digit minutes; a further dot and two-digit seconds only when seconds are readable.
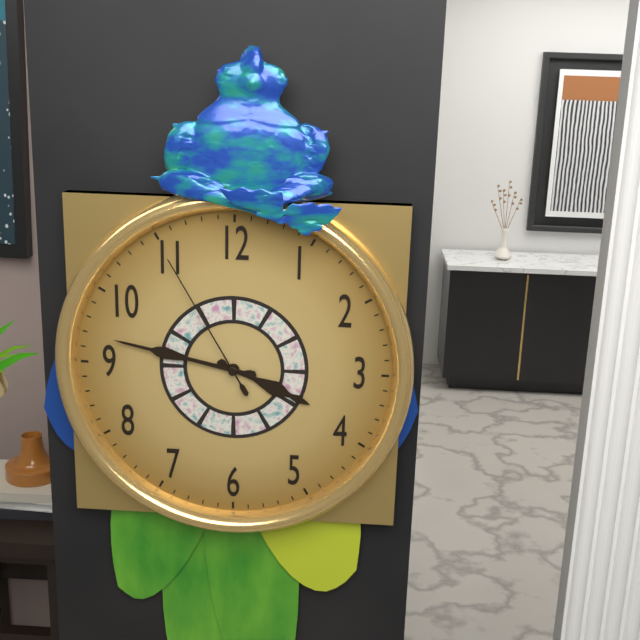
3.47.55
